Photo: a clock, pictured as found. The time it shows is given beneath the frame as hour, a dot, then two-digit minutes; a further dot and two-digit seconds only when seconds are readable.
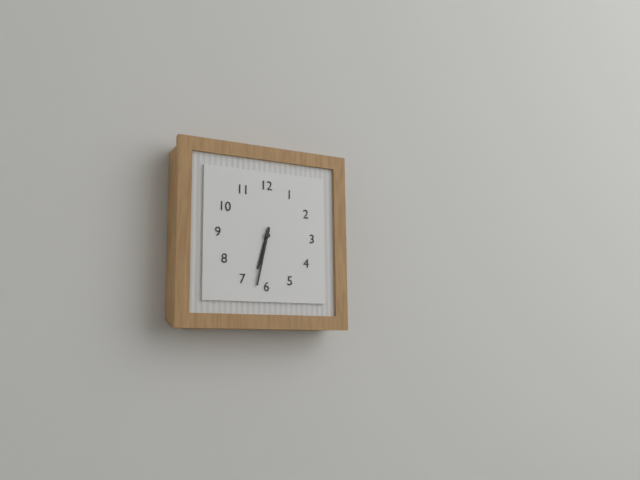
6.32
